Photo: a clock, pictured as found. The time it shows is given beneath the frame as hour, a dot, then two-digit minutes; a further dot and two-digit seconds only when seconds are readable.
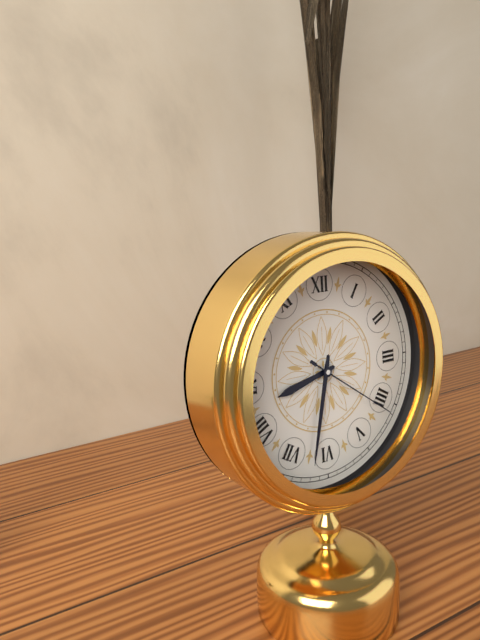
8.32.21
